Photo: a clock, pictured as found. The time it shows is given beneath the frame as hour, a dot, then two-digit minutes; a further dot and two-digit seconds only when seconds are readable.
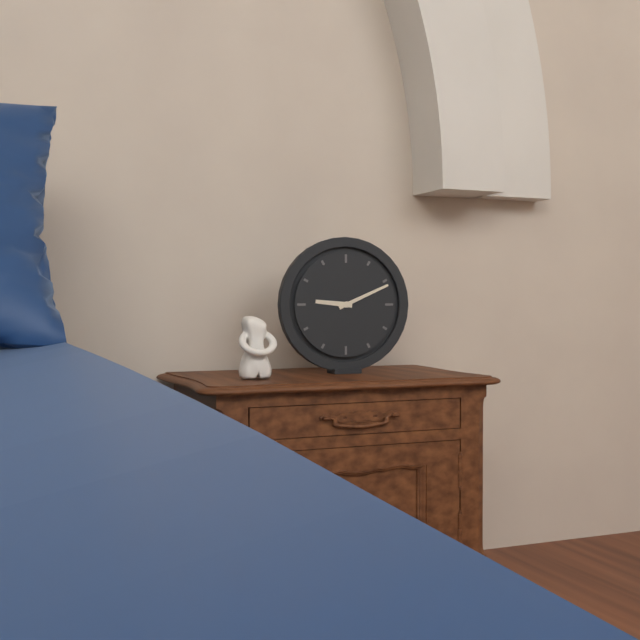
9.11
